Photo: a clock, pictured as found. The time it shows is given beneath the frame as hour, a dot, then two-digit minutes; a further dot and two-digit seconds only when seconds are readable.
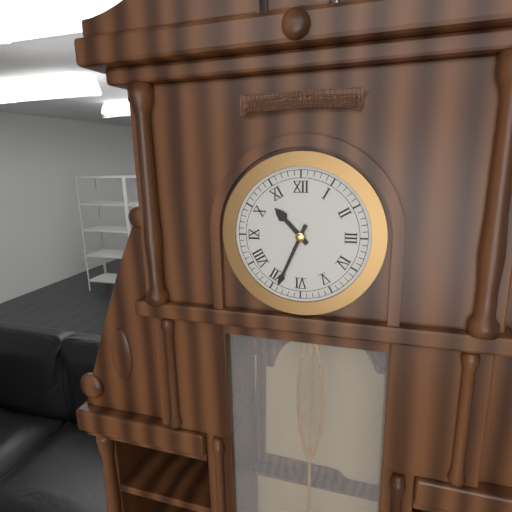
10.34
